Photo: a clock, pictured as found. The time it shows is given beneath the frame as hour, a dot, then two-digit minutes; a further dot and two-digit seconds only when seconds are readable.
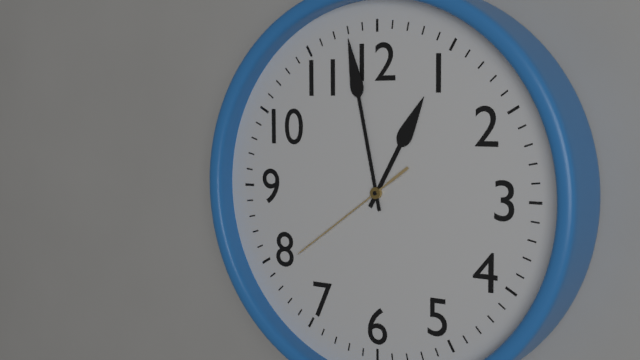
12.58.39
